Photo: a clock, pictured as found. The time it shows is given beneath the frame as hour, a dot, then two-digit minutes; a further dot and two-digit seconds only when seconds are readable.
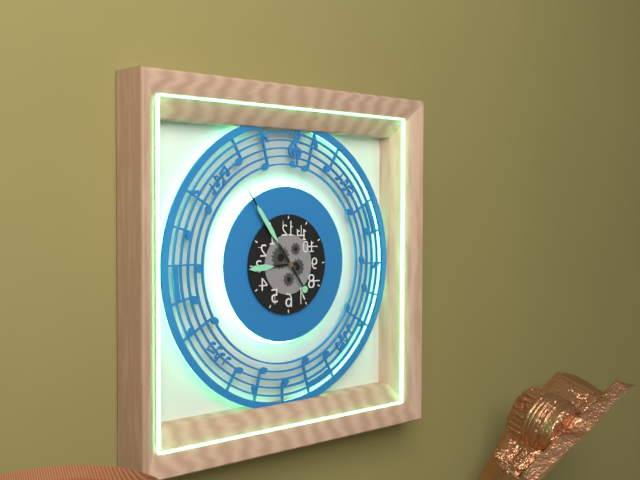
8.54
